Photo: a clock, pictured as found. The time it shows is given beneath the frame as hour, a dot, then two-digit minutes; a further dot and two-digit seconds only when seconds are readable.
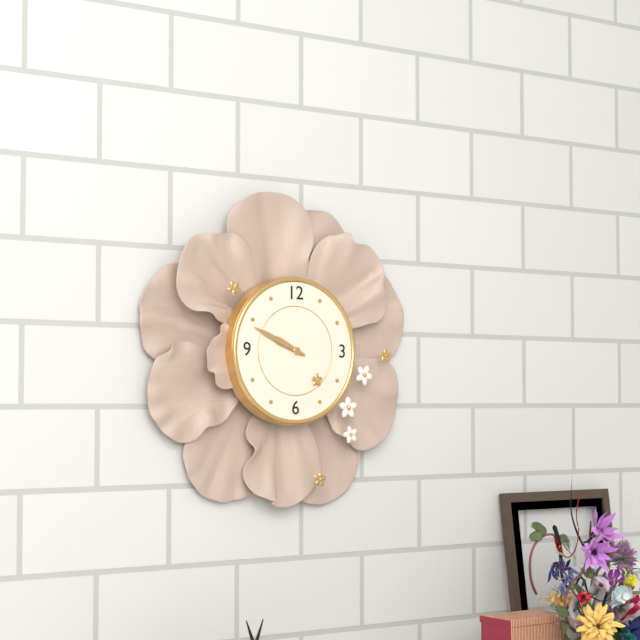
9.49
